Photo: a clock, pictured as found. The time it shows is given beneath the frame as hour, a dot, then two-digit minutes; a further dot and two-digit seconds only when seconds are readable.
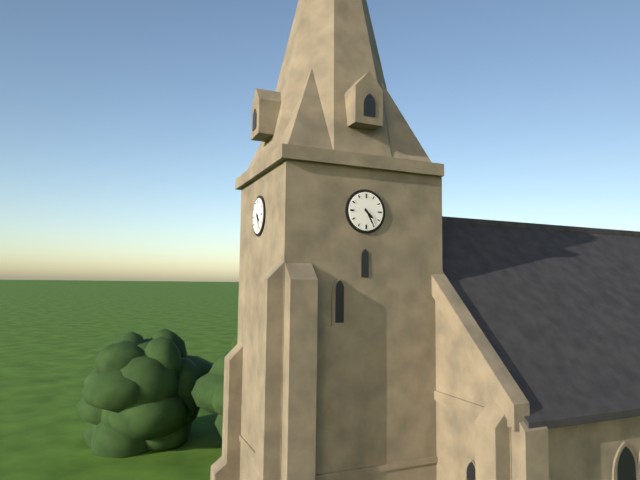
4.25
